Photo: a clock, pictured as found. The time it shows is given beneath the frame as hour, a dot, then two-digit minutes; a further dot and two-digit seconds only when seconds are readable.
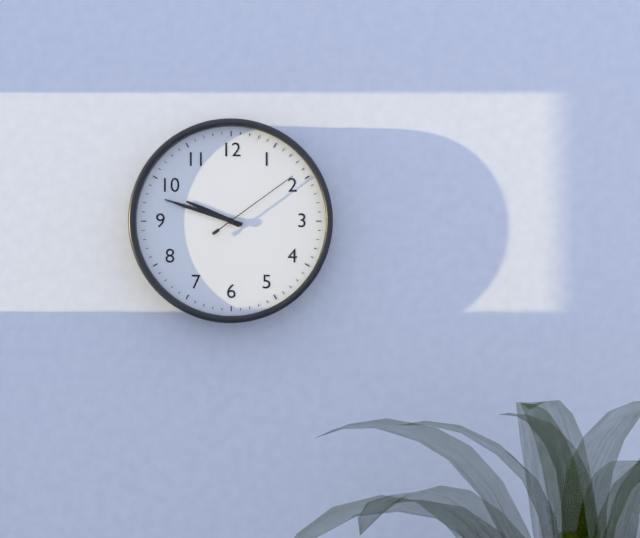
9.48.09
